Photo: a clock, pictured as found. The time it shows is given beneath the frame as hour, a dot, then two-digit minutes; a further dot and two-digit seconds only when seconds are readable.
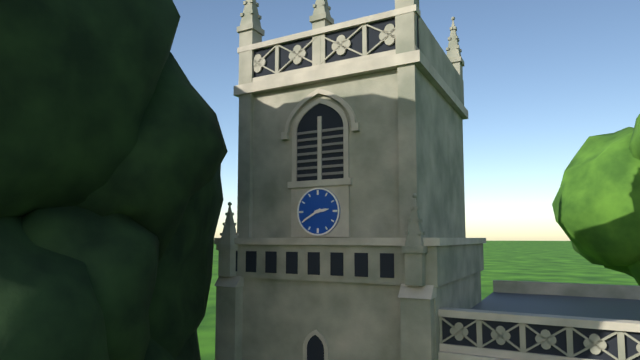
2.40
